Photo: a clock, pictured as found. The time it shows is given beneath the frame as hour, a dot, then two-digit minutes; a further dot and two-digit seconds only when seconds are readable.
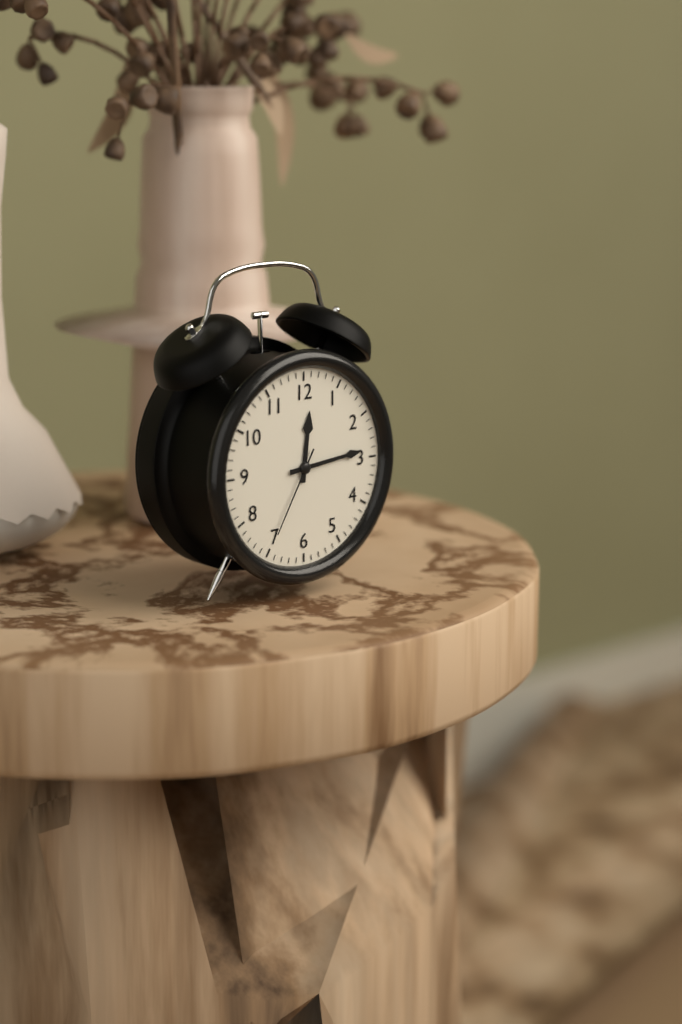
12.14.35
